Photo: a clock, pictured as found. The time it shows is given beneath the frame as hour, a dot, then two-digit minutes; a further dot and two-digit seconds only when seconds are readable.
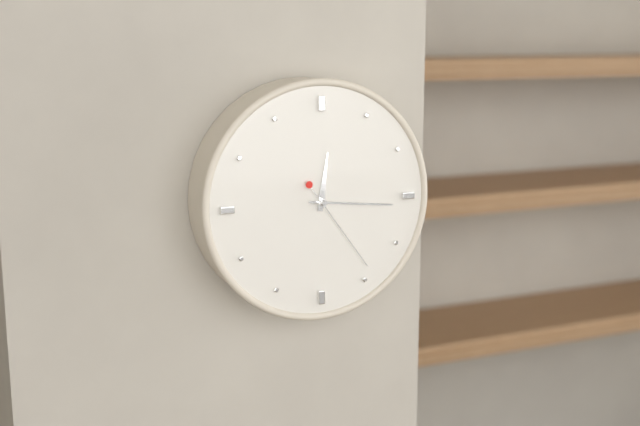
12.16.24
